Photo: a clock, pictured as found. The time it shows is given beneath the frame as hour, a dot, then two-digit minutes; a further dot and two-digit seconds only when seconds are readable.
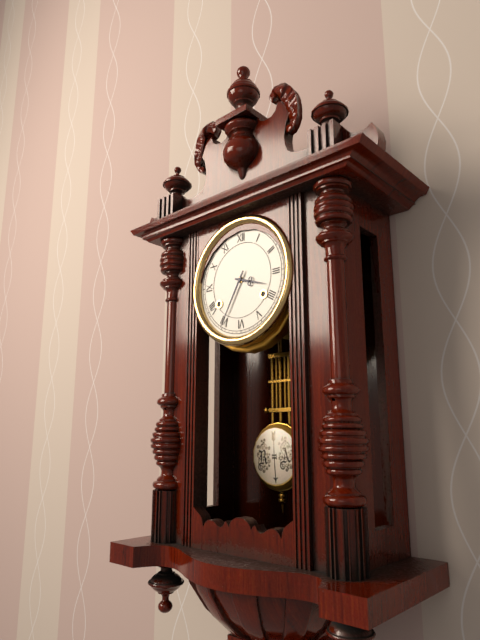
3.35
